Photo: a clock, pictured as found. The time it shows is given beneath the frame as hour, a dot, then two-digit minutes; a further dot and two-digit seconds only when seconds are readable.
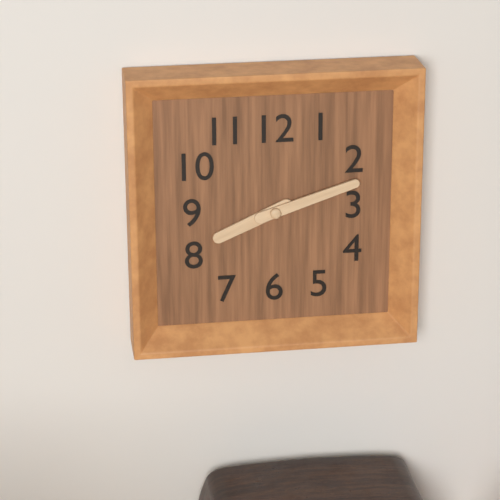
8.12
